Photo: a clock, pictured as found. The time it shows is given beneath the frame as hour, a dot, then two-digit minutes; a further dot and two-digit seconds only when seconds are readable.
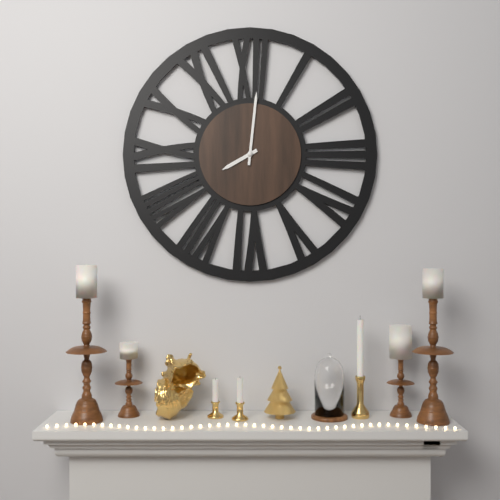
8.01
